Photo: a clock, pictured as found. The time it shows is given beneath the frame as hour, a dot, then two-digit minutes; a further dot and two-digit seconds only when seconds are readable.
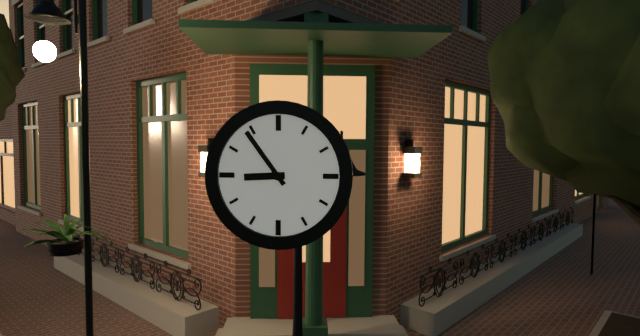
8.54
